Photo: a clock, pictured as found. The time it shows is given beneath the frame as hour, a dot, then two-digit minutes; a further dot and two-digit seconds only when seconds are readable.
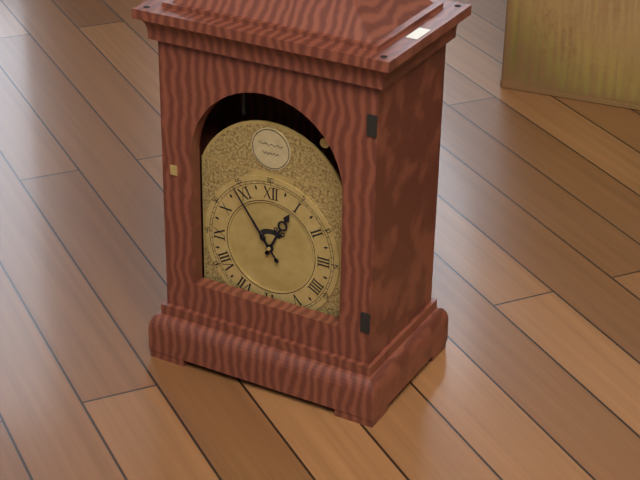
12.54
